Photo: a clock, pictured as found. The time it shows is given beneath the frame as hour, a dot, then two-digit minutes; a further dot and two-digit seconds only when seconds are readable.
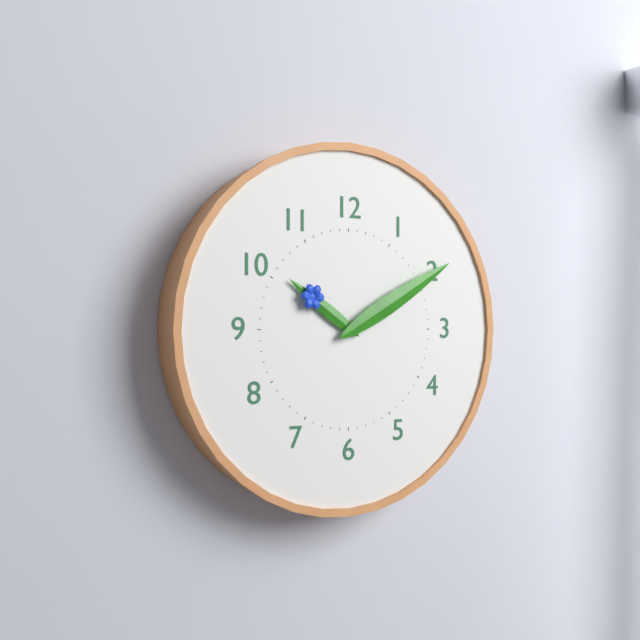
10.10
